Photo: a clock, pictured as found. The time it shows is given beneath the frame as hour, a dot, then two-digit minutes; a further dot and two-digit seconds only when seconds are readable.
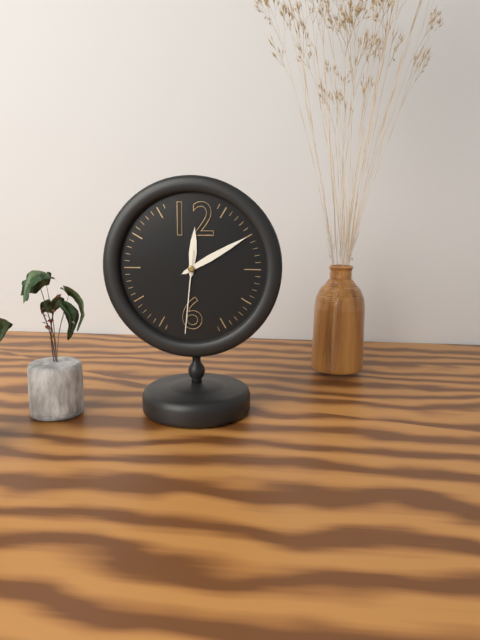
12.10.31
